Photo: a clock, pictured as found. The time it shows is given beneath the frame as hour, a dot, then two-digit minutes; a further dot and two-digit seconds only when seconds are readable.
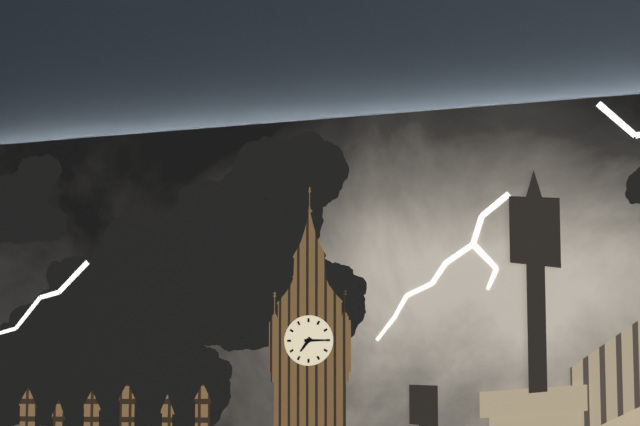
7.15
